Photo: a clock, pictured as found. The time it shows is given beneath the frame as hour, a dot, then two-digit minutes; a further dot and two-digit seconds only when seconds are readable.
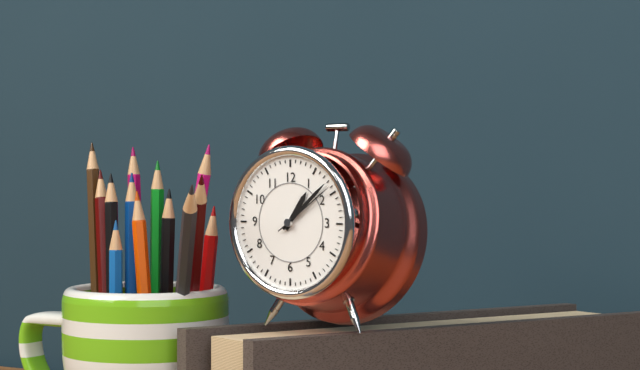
1.08.09
